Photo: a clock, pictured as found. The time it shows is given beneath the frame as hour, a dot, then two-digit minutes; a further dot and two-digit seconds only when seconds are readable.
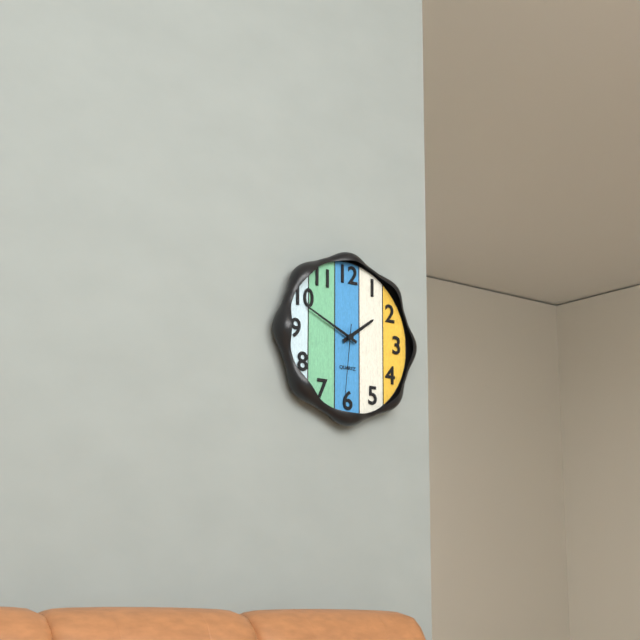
1.49.31
